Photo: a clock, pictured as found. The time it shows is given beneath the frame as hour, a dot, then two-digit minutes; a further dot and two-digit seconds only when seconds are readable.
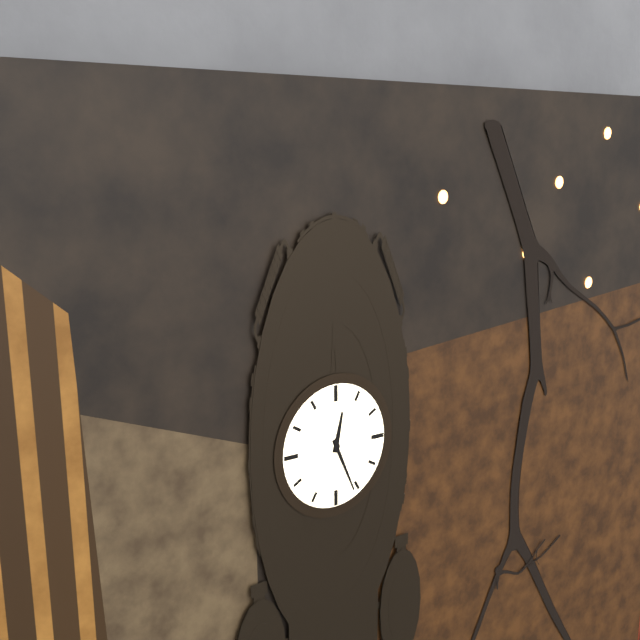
12.26
